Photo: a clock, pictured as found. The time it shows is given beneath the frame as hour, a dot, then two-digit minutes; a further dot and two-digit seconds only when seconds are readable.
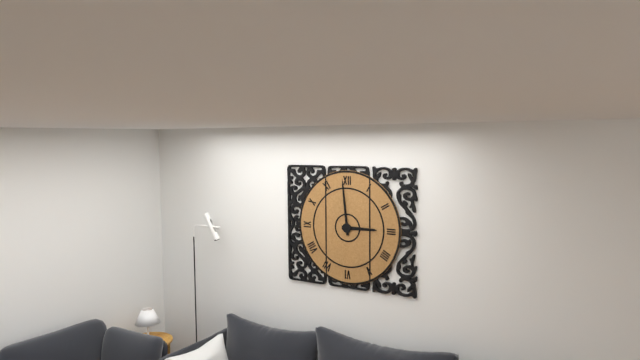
2.59
